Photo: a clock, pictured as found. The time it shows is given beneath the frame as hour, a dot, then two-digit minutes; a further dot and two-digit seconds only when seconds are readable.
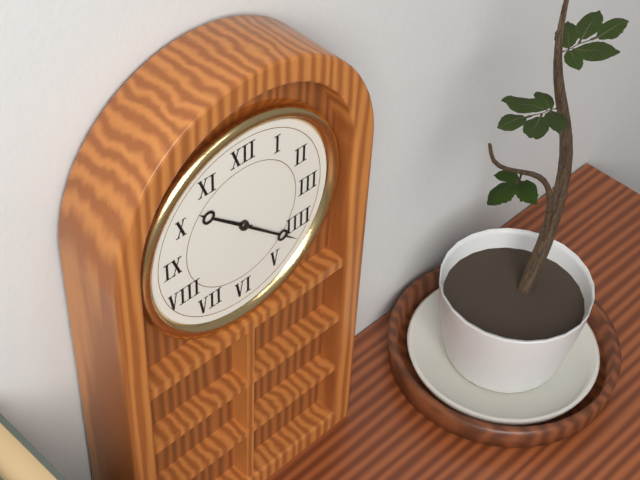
10.22
